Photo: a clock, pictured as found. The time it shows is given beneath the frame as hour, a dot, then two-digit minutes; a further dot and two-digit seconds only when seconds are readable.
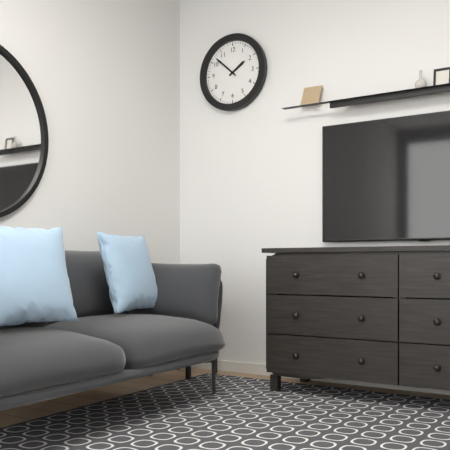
1.52
